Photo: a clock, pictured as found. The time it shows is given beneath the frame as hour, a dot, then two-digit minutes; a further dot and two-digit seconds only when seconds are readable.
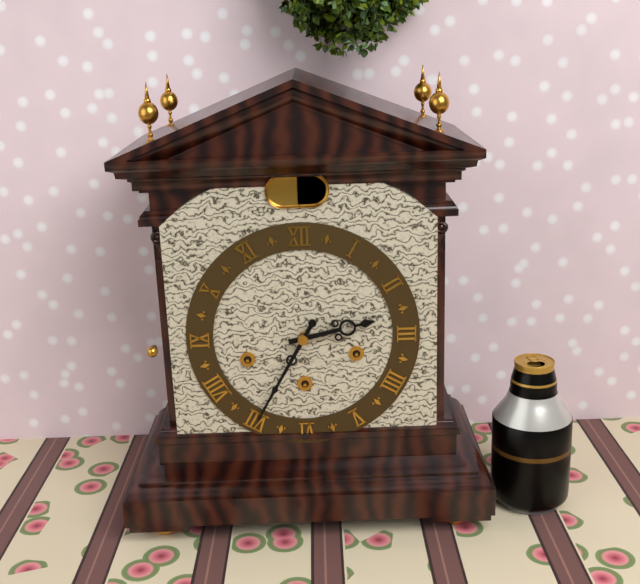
2.35
